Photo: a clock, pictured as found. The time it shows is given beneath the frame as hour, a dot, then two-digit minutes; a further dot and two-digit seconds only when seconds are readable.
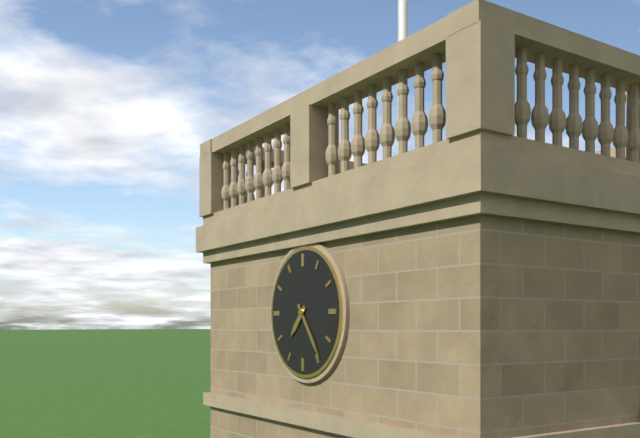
7.24
